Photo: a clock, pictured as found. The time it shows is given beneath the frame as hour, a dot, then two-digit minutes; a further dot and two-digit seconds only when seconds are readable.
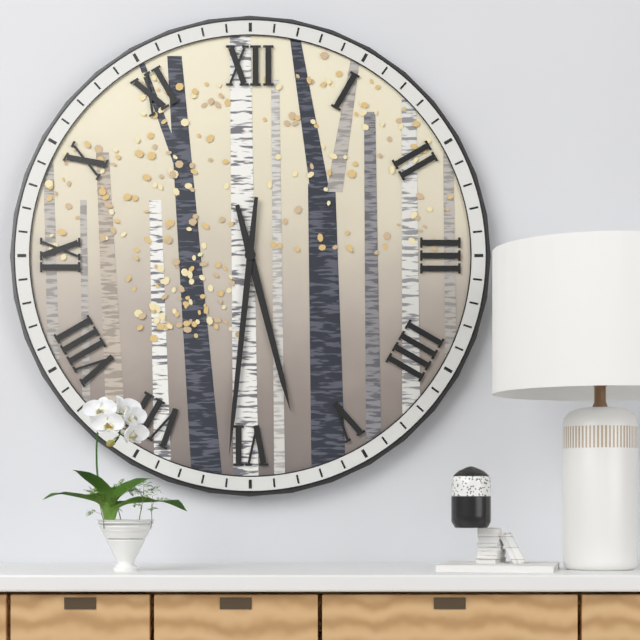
5.31
